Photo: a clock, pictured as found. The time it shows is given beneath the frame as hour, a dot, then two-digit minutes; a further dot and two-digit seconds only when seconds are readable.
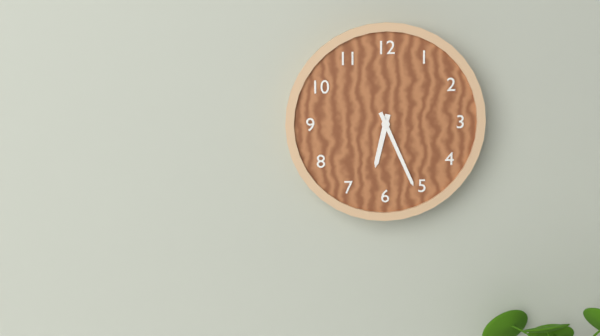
6.26
